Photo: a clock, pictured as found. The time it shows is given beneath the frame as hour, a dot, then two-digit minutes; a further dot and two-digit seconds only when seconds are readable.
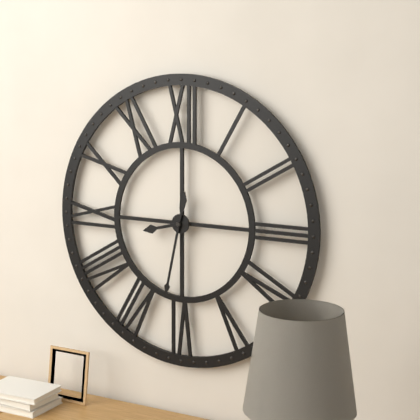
8.32
